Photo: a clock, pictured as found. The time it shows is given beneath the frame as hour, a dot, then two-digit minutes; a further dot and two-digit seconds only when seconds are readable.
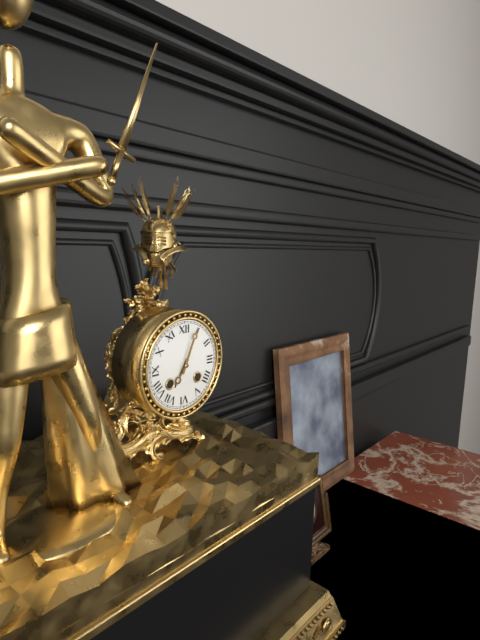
7.04
